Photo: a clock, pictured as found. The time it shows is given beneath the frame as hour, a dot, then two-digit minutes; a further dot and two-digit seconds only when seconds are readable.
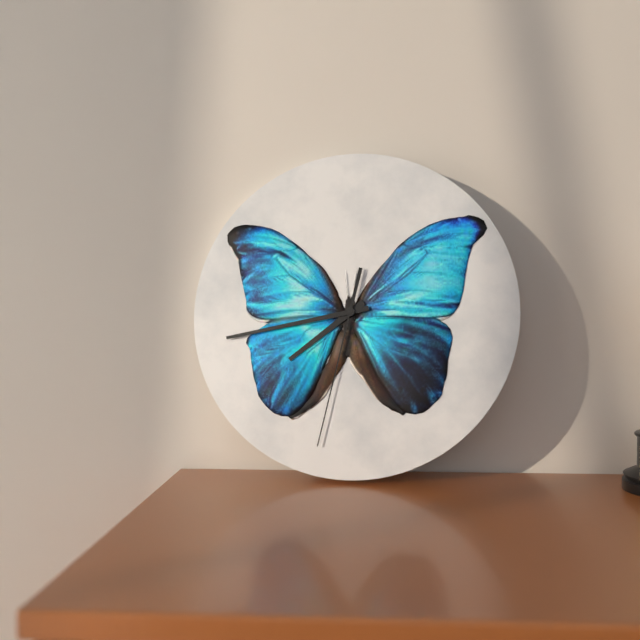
7.43.32
